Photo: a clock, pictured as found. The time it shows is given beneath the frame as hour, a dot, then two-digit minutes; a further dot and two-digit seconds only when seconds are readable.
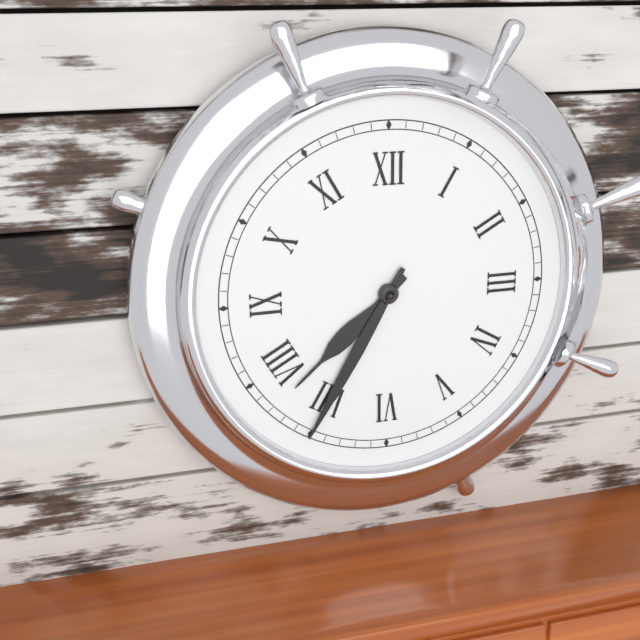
7.35
